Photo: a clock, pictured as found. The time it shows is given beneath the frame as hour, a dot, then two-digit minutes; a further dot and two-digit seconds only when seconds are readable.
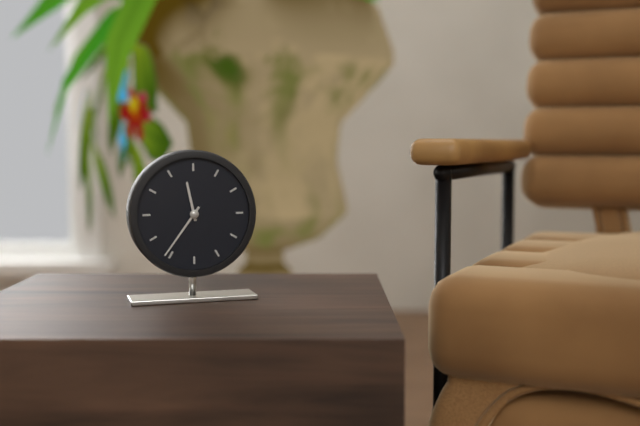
11.36
